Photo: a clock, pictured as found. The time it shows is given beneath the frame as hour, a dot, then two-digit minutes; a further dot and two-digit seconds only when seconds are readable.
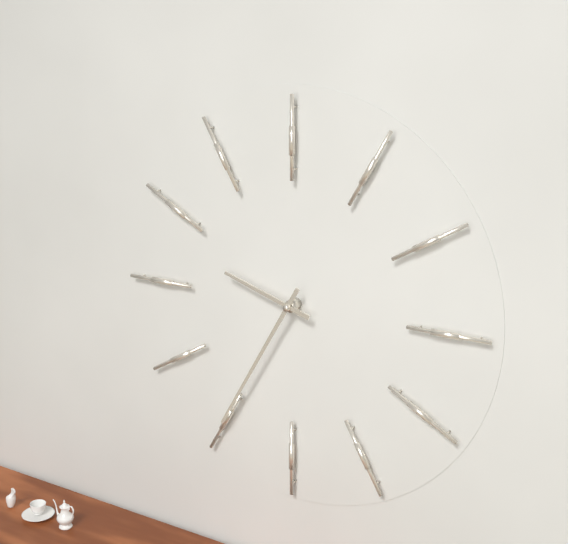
9.35
